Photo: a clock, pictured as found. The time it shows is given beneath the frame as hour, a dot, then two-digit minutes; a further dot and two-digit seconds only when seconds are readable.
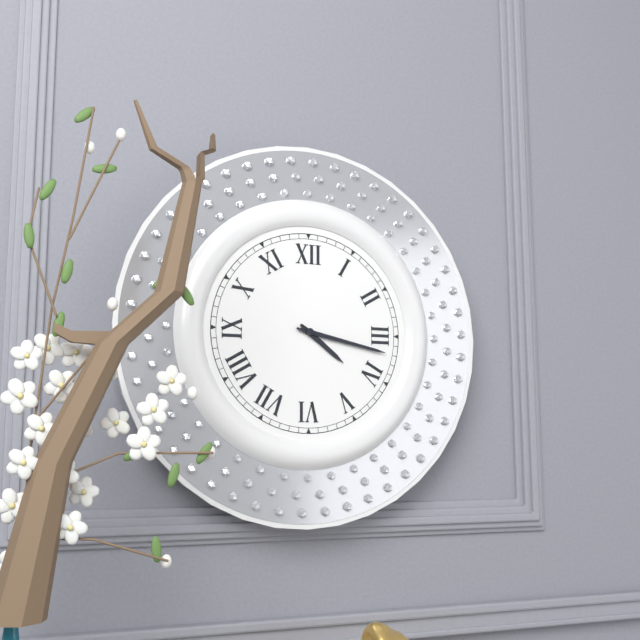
4.17
